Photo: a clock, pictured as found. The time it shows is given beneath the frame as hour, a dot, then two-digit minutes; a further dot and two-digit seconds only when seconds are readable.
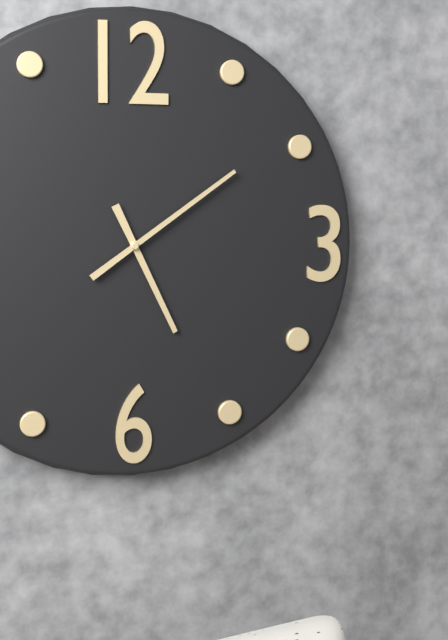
5.09
